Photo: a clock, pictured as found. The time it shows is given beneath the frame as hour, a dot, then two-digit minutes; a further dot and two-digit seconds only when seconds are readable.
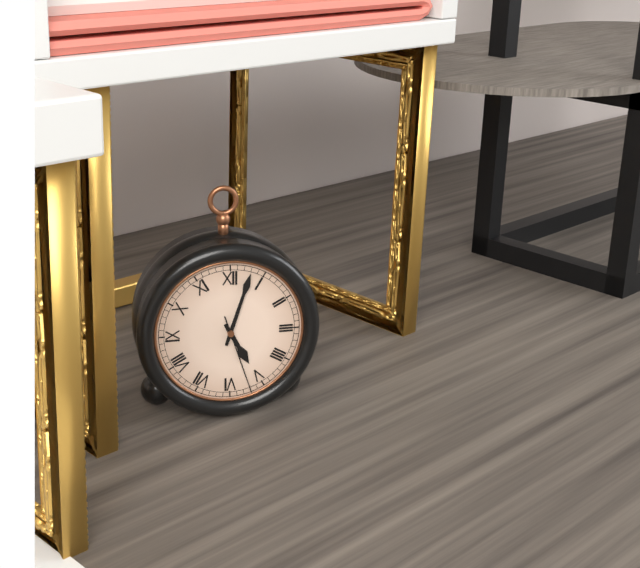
5.03.27
